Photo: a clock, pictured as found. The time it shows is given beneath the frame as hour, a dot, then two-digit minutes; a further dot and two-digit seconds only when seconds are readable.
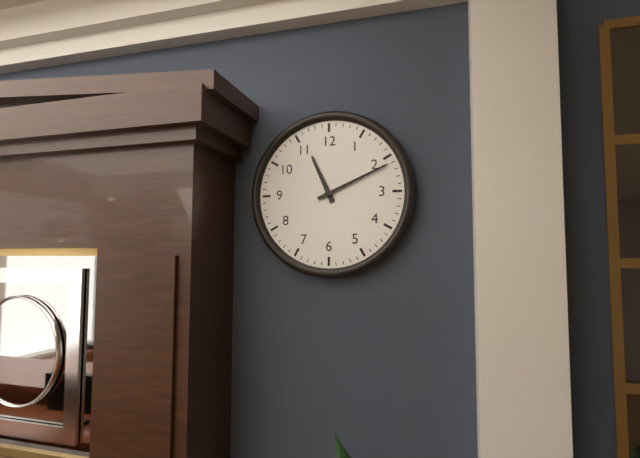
11.11
